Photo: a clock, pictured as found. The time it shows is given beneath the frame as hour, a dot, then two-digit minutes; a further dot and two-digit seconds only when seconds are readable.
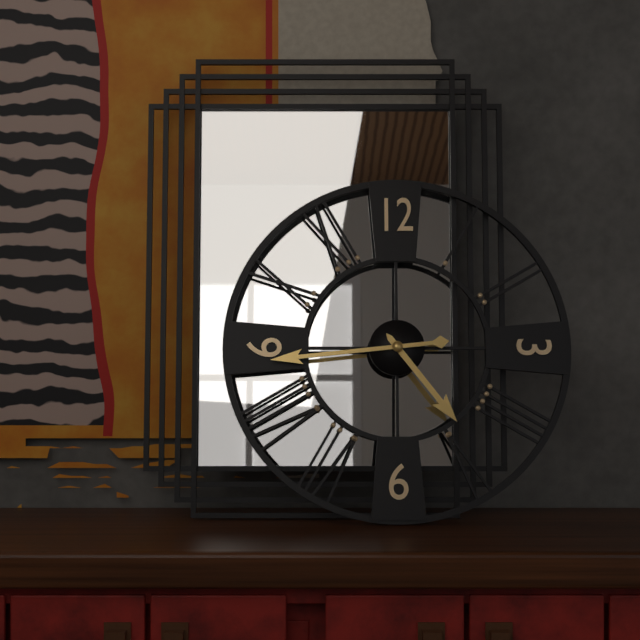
4.44
